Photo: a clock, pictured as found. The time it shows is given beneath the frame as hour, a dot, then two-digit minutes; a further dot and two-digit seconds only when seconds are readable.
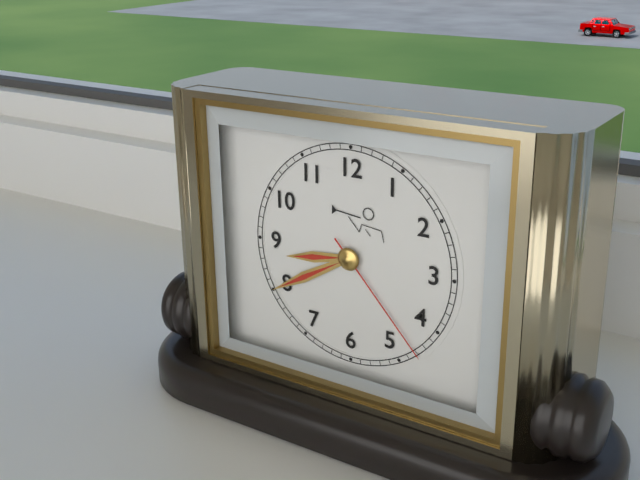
8.40.23
